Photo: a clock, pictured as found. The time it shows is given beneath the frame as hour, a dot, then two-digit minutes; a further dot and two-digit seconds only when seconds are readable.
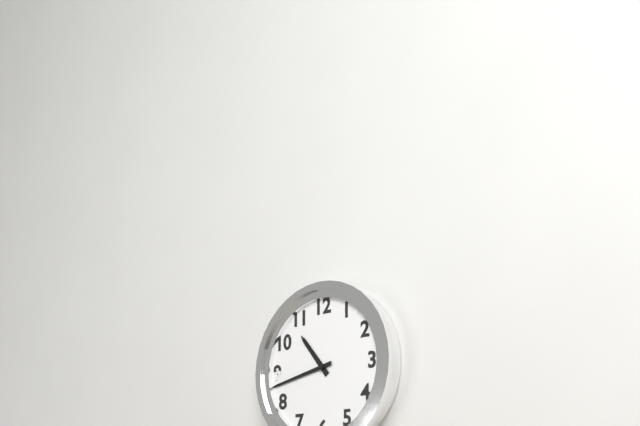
10.43
